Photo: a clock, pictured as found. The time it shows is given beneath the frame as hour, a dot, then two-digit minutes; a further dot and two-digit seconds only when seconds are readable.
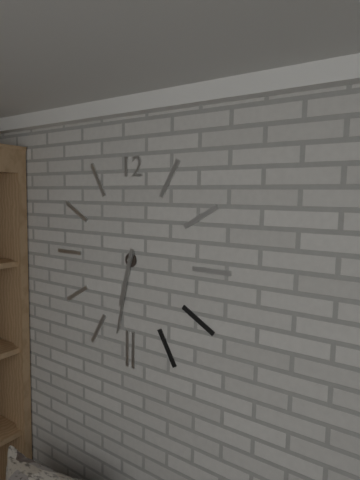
6.32
